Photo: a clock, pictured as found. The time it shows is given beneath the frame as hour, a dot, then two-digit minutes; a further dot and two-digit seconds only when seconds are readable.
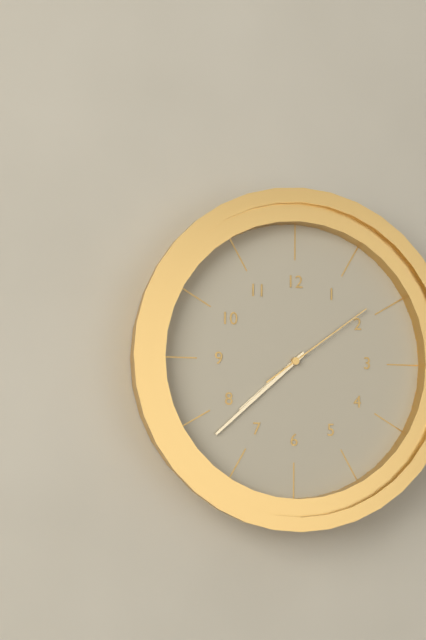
7.38.09
